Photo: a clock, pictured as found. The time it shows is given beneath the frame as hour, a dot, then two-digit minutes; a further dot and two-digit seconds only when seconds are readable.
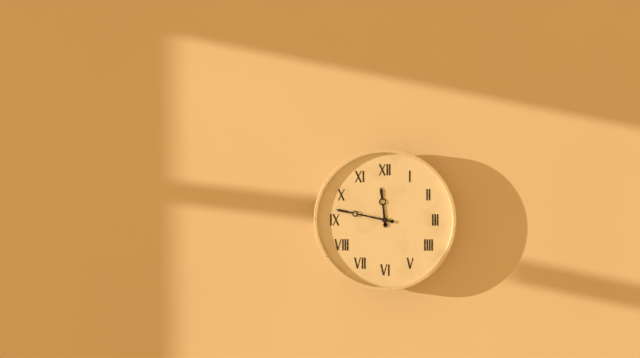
11.47
